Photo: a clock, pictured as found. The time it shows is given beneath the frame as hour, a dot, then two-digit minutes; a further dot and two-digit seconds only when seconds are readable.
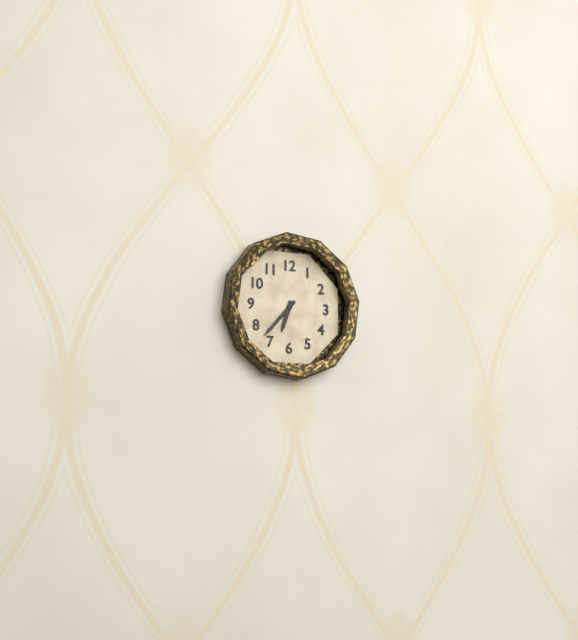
6.37
